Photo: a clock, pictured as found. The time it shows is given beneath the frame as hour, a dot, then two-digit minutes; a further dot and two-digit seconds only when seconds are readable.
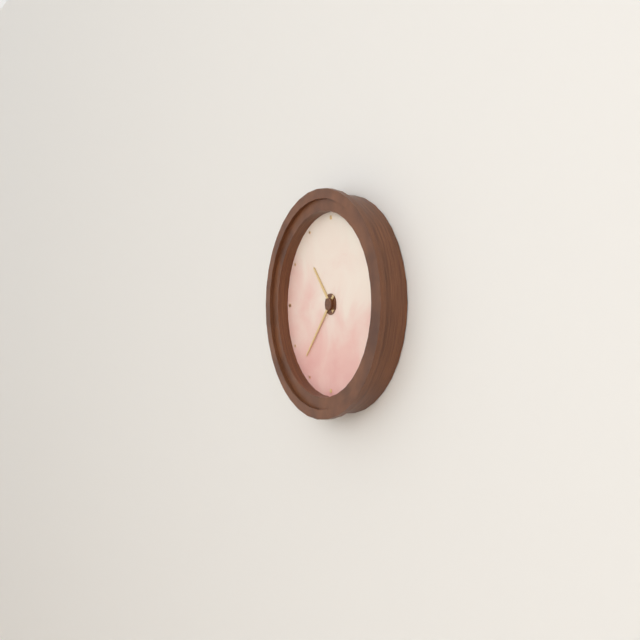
10.37
